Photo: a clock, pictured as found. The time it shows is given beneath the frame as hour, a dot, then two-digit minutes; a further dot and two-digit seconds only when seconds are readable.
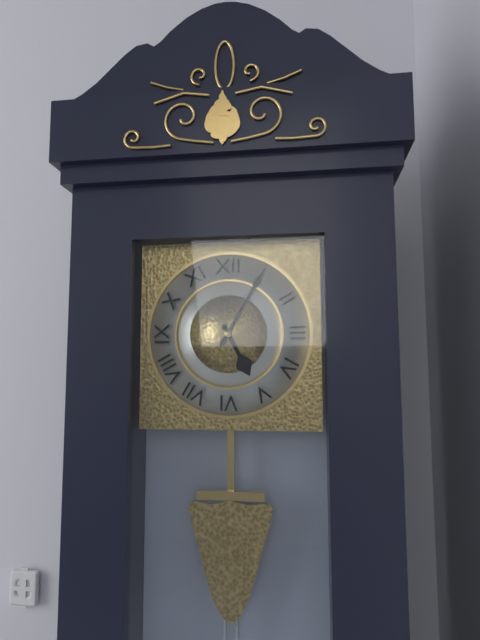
5.05
